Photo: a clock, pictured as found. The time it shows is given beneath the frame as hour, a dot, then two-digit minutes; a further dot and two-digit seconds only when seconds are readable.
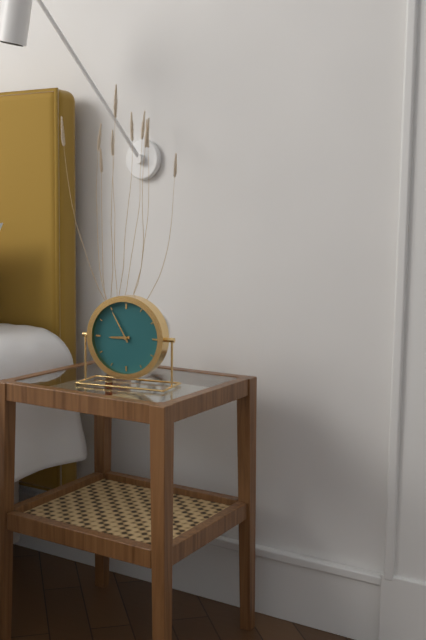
8.55
